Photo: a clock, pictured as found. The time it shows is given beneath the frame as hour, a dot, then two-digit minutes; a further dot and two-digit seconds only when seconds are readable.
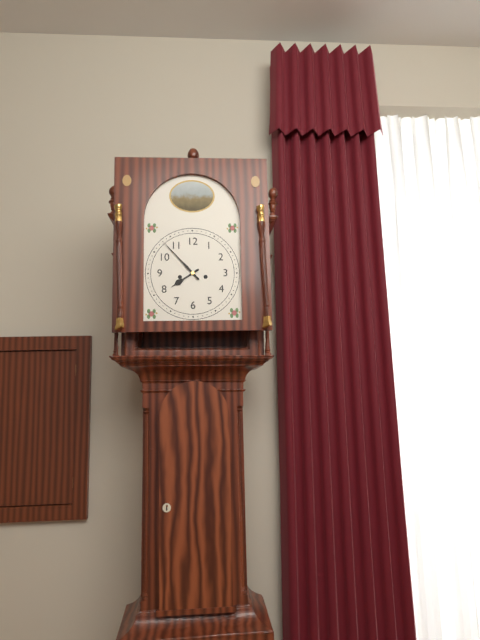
7.53
